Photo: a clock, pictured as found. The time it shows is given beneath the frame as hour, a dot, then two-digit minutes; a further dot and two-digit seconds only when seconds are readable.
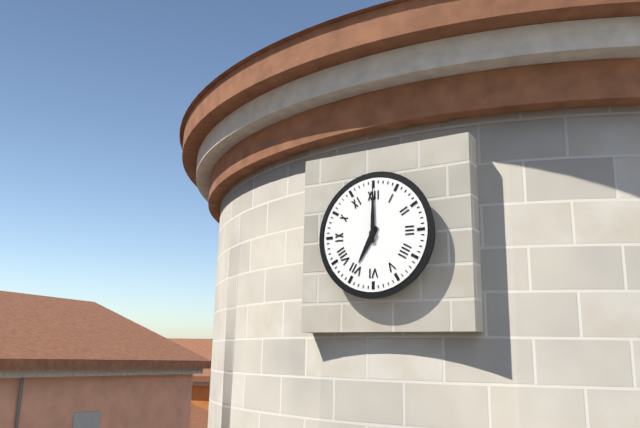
7.00
